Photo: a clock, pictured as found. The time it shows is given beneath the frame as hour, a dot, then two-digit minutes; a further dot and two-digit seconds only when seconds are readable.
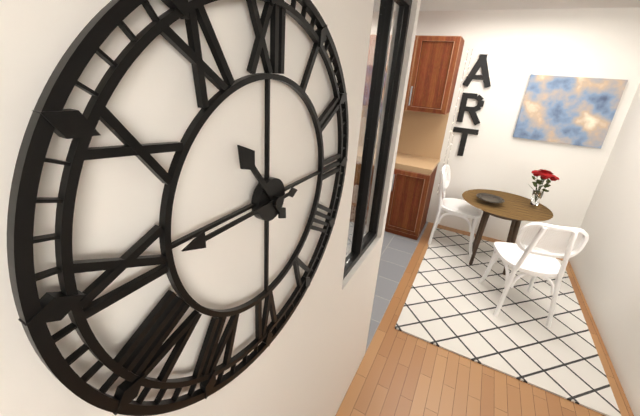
10.45
